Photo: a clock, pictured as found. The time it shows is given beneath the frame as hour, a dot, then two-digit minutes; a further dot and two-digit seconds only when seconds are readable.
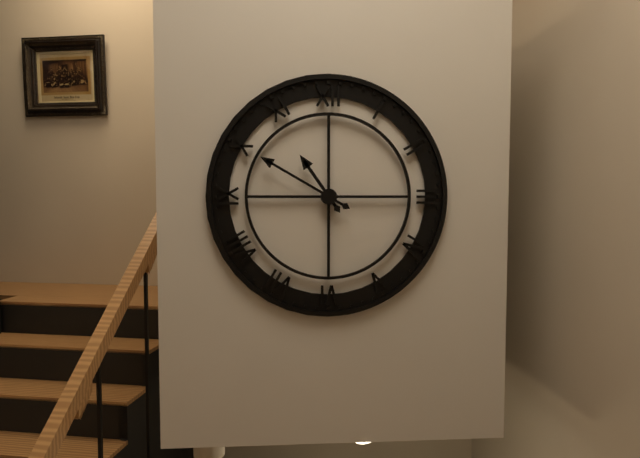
10.50
